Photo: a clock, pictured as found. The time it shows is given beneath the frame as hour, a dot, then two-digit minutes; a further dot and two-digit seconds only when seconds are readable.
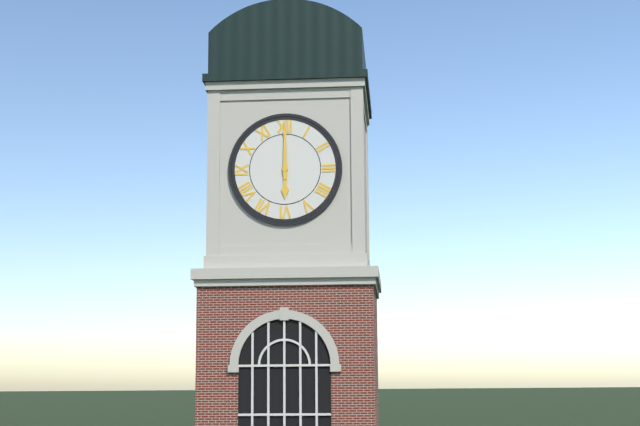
6.00
